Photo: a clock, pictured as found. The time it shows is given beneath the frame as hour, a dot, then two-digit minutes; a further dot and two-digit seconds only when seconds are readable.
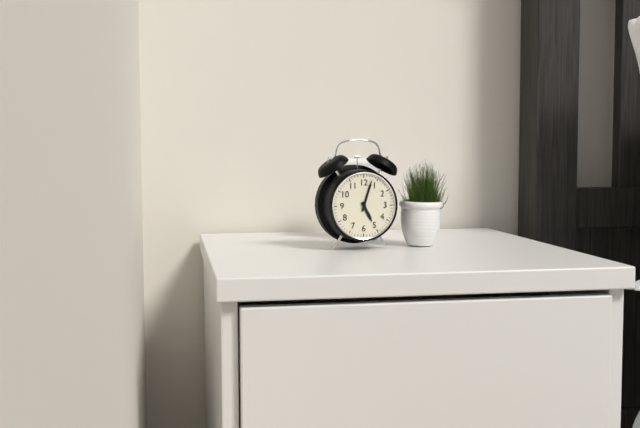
5.03
